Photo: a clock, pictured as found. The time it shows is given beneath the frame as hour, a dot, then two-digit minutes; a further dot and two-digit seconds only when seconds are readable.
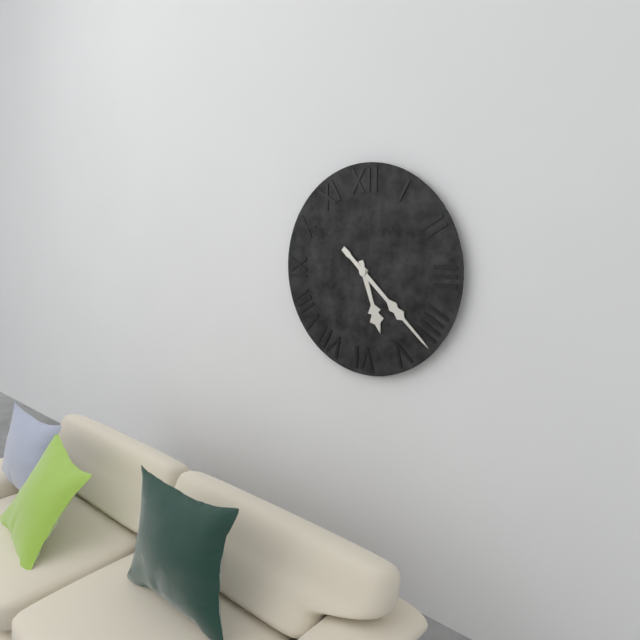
5.22
